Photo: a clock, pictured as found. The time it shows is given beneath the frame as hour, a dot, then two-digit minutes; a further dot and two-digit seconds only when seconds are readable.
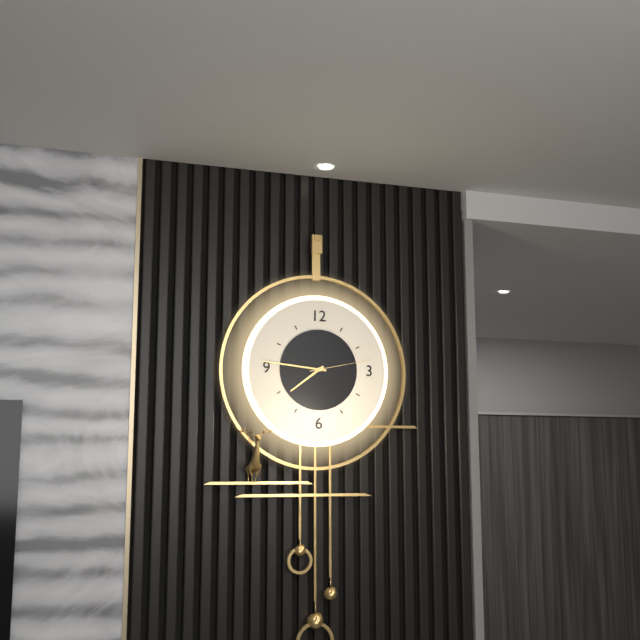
7.46.13
